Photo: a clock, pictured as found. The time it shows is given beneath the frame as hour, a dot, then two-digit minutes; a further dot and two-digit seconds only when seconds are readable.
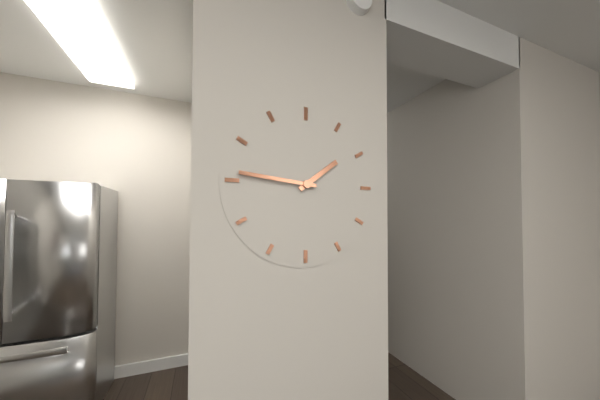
1.46
